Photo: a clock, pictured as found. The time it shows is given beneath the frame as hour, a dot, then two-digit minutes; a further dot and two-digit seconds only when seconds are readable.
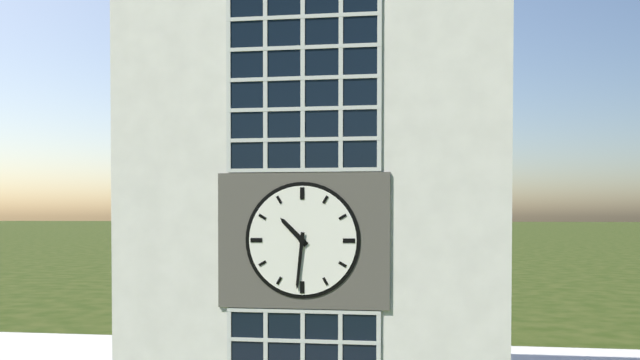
10.31
